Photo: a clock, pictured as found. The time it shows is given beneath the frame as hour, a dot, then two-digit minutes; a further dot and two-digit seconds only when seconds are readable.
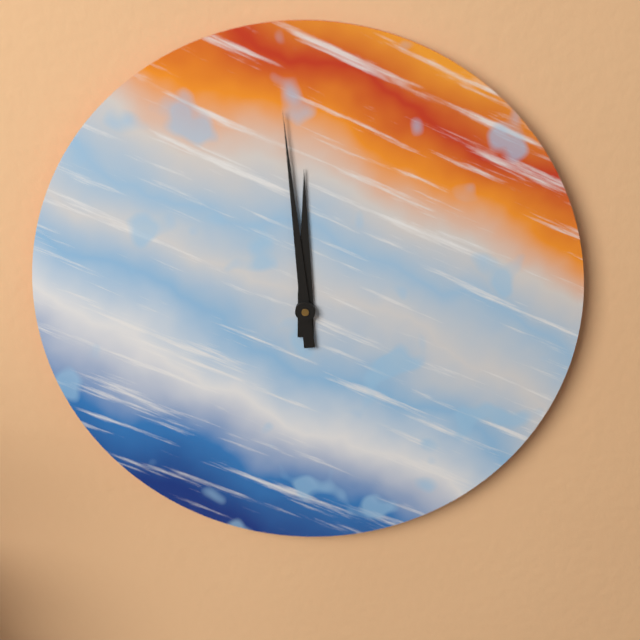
11.59
